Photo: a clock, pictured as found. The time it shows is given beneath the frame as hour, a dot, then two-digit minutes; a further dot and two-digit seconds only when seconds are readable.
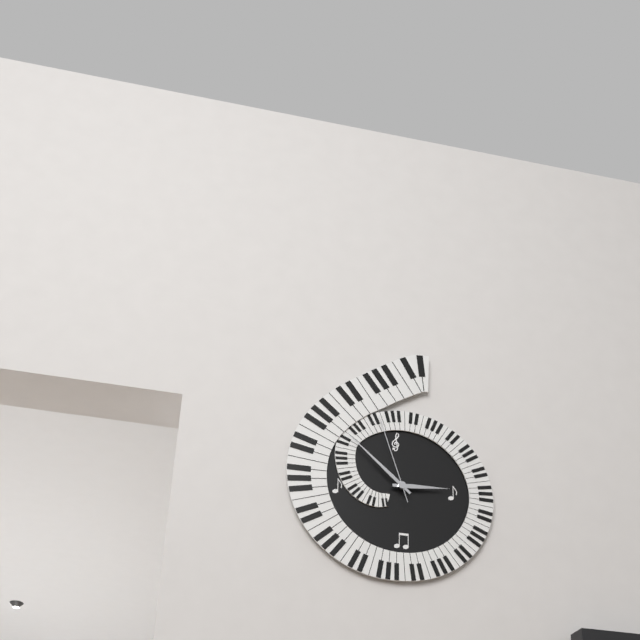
2.52.57
